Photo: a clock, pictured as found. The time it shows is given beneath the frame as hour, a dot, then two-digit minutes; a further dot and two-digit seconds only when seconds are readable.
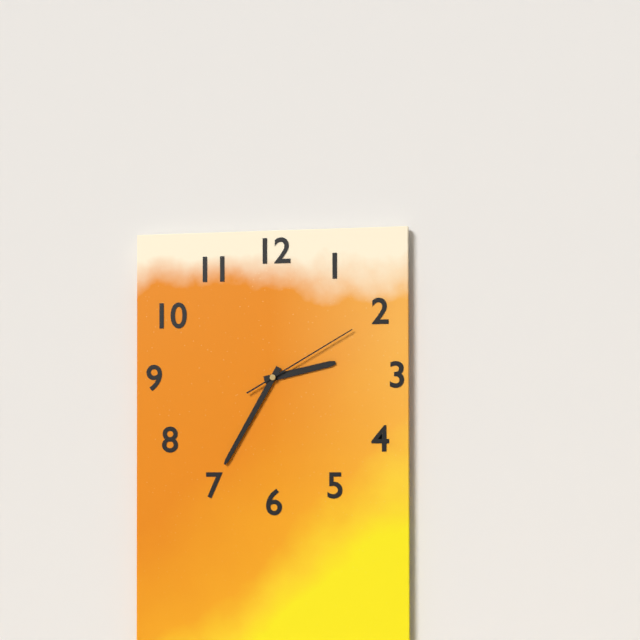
2.35.10
